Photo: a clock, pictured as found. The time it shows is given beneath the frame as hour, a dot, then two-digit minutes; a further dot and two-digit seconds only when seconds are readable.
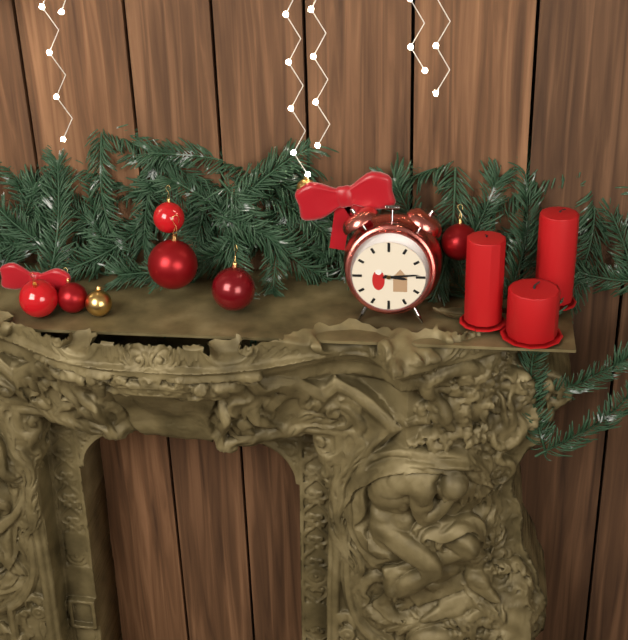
3.14
